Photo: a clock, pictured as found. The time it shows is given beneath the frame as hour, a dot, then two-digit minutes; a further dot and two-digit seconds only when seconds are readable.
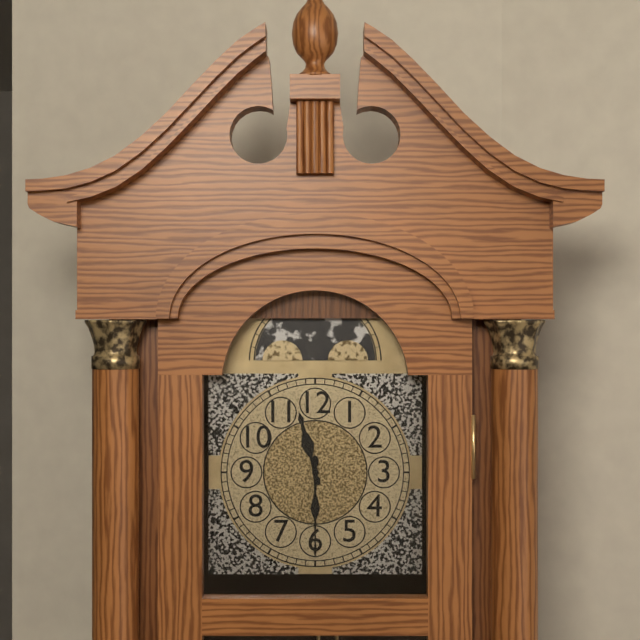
11.30
